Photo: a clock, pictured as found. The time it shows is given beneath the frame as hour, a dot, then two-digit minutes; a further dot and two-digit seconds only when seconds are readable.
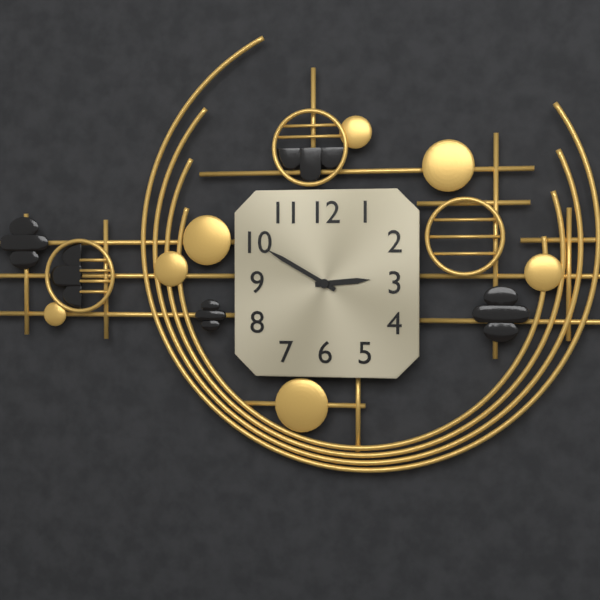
2.50
